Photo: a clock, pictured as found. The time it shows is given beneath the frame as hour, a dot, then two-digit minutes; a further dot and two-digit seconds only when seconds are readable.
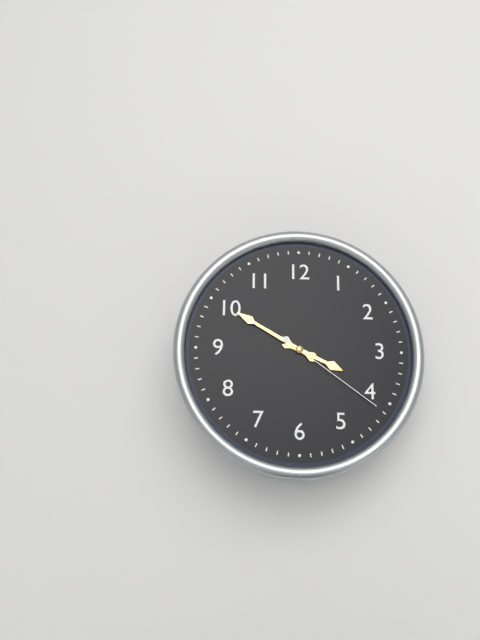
3.50.21
